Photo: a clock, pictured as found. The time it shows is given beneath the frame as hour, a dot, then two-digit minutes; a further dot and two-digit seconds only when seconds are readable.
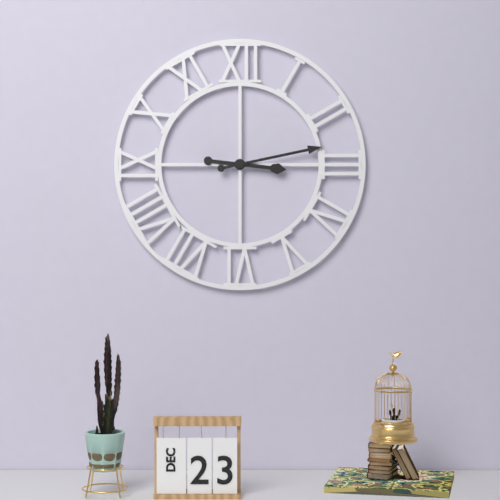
3.13
